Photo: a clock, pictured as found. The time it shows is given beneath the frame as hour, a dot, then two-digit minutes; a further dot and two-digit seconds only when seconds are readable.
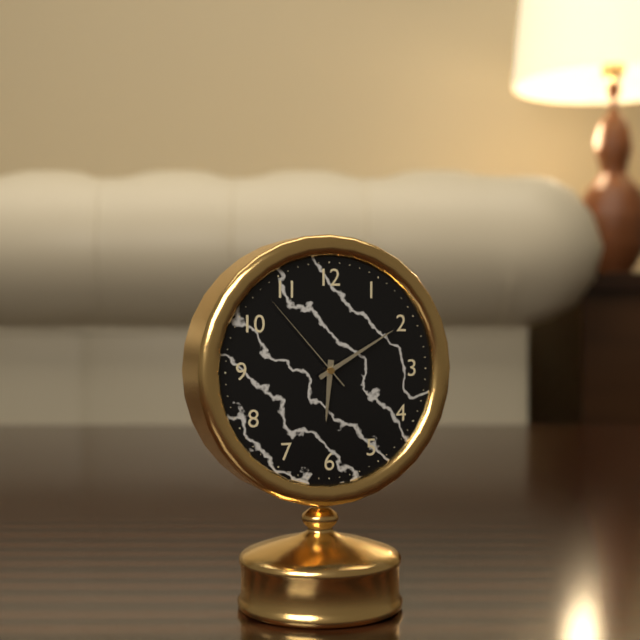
6.10.53
